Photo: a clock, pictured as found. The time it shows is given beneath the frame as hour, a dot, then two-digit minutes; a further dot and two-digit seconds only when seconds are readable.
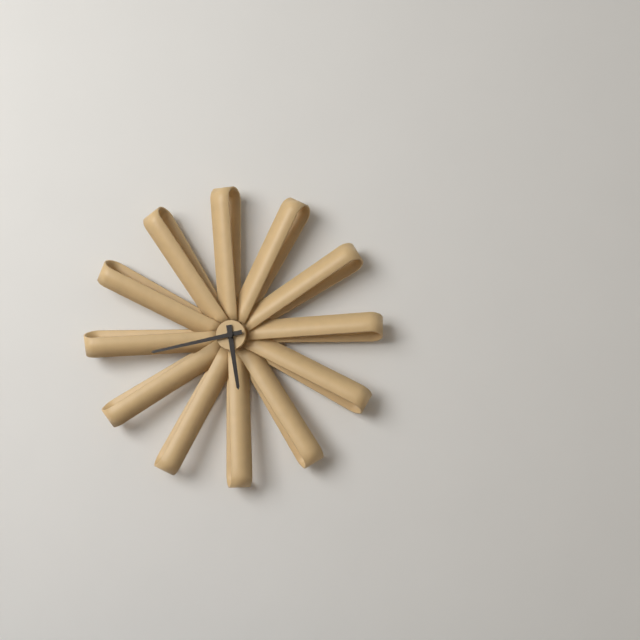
5.43
